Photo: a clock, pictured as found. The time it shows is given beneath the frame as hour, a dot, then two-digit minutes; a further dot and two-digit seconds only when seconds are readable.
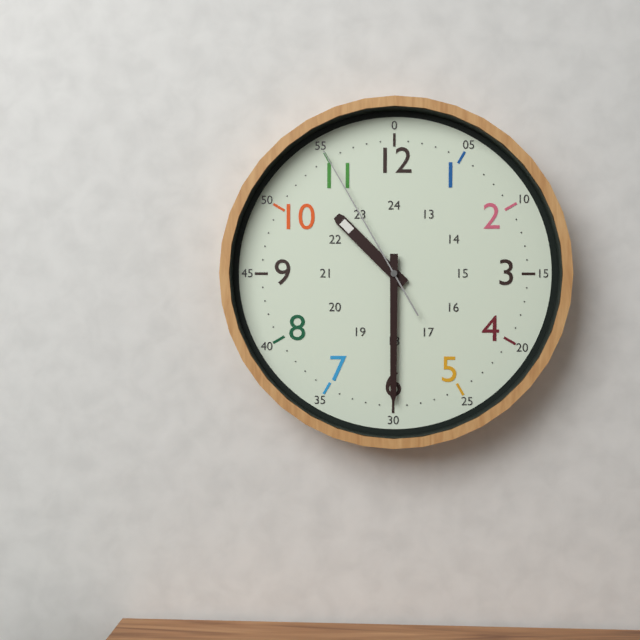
10.30.55
